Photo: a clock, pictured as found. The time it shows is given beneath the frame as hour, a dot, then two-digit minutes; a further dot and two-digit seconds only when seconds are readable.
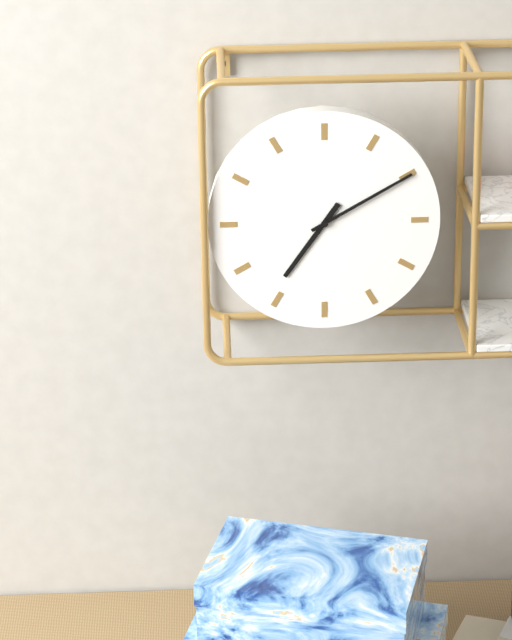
7.10
